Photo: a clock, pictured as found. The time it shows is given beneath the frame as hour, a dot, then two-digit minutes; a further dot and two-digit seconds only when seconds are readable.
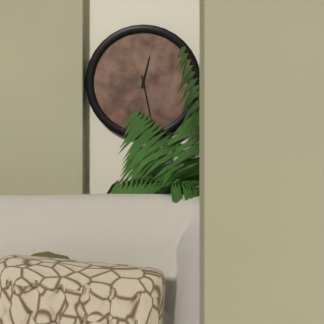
12.28
